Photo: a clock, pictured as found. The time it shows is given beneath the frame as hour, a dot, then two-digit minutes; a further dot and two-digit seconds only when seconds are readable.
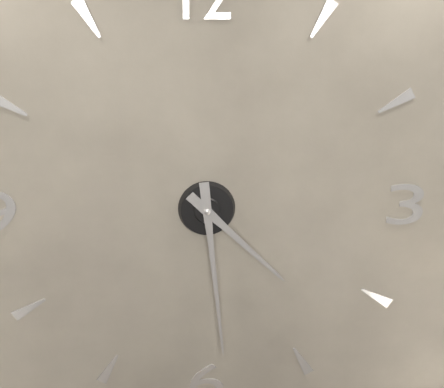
4.29
